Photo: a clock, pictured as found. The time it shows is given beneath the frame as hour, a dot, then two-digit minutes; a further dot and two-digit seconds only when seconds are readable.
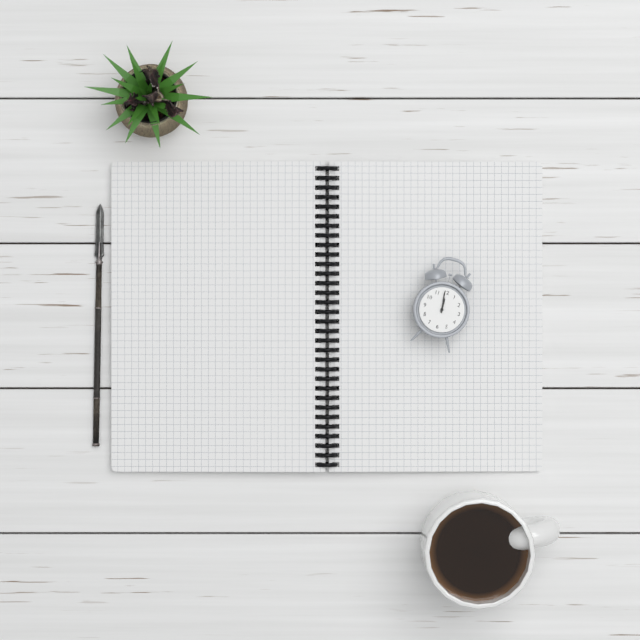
11.59
